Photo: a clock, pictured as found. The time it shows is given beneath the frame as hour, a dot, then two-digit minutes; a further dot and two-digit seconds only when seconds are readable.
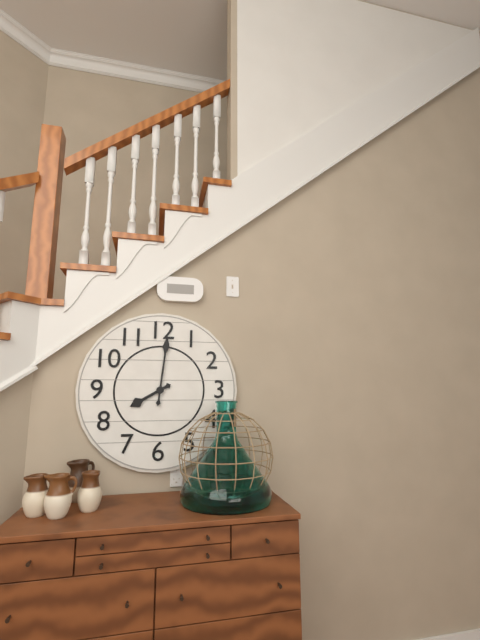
8.01
